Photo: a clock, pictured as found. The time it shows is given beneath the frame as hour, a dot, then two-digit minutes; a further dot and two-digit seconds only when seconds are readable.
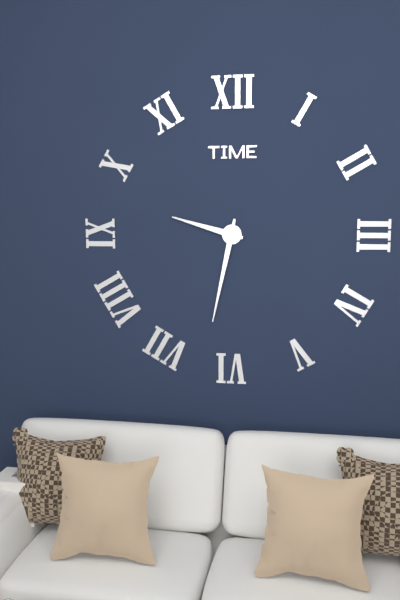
9.32
